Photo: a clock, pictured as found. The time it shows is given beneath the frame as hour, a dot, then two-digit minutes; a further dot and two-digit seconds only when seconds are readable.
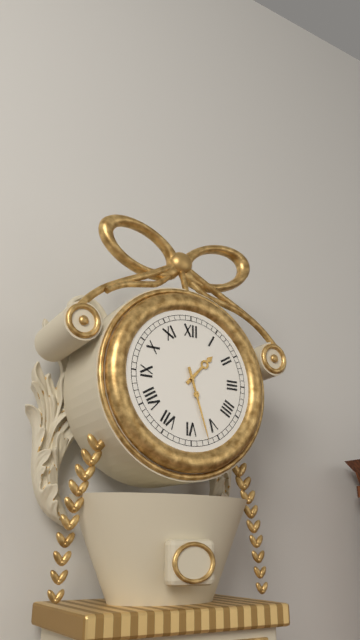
1.27
